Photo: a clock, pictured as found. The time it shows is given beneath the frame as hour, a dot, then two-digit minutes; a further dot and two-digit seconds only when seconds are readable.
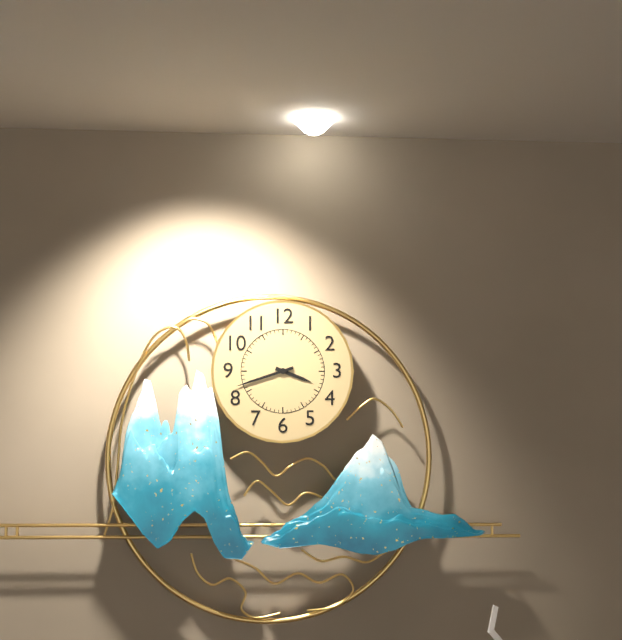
3.42
